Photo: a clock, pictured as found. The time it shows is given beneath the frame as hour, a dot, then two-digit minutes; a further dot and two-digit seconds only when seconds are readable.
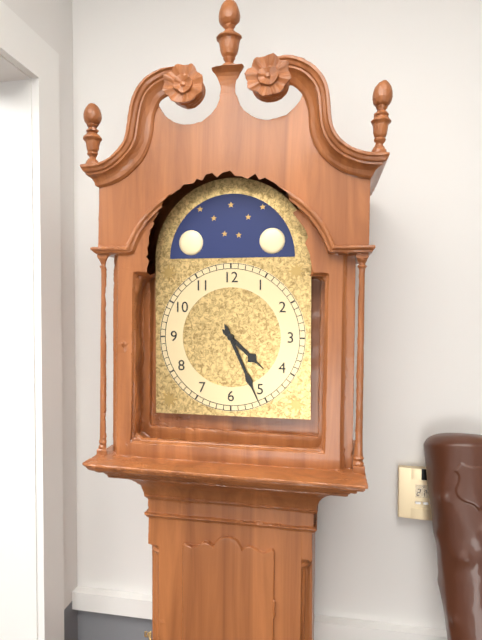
4.26
